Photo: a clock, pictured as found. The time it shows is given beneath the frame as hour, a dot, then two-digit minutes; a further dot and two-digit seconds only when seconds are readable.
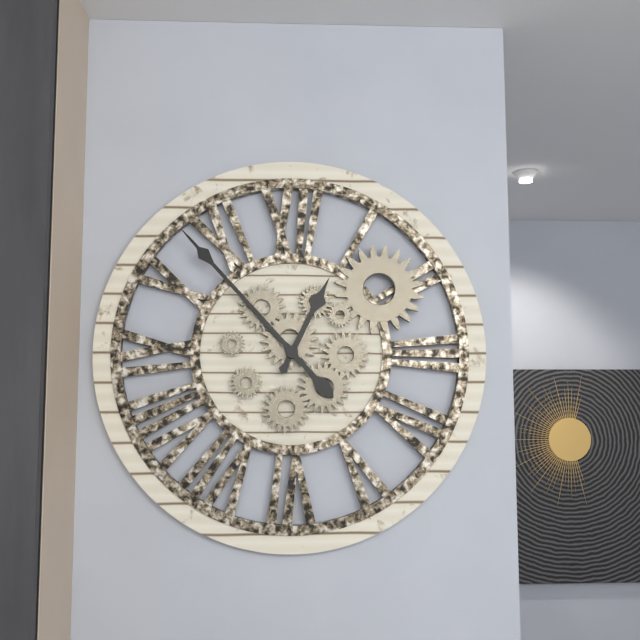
12.53
